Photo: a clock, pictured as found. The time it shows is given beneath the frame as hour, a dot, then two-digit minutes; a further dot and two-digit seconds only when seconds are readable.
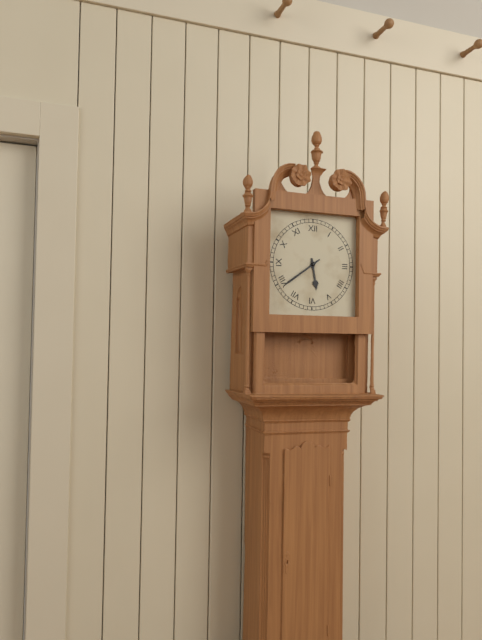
5.39
